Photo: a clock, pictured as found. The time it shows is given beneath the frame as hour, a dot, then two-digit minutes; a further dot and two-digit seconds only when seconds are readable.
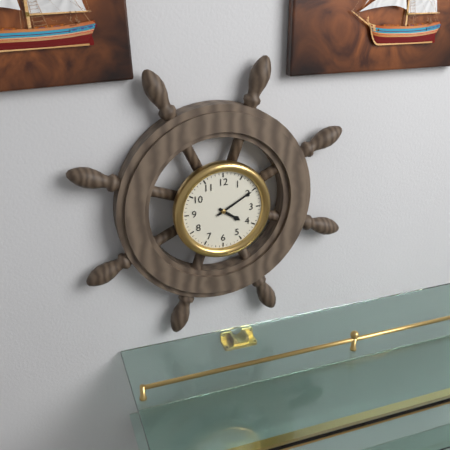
4.10
